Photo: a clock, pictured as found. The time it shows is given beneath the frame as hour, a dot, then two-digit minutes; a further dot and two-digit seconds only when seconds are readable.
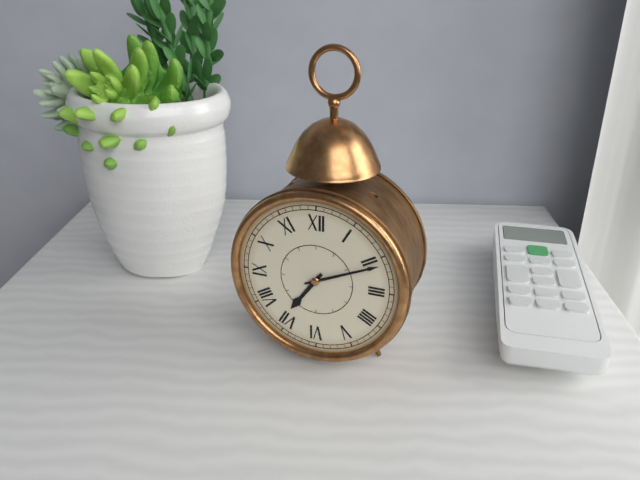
7.11
